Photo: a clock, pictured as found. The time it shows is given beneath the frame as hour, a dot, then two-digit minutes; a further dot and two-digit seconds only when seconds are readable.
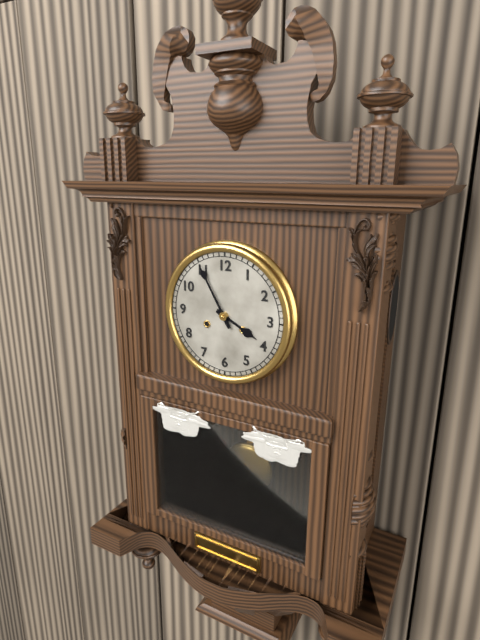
3.55
